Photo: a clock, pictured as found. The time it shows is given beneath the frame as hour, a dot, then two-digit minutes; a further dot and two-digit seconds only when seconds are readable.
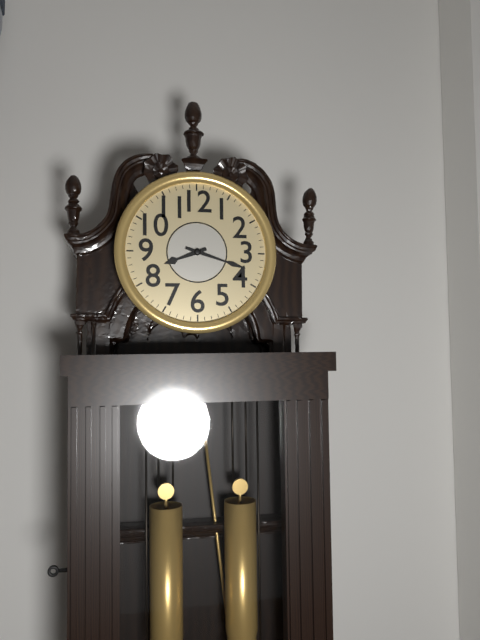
8.18
